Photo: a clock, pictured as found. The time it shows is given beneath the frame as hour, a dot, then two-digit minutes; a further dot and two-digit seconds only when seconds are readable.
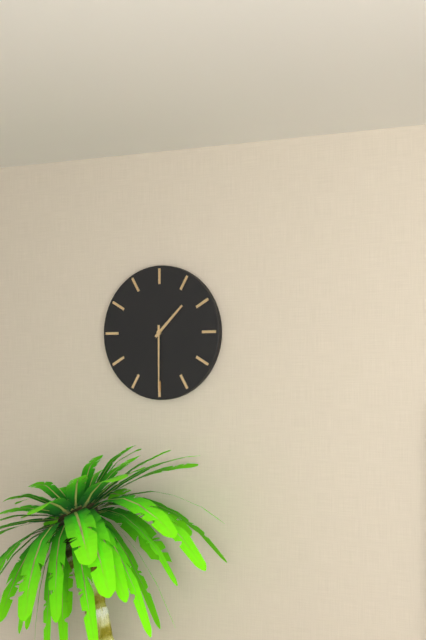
1.30
